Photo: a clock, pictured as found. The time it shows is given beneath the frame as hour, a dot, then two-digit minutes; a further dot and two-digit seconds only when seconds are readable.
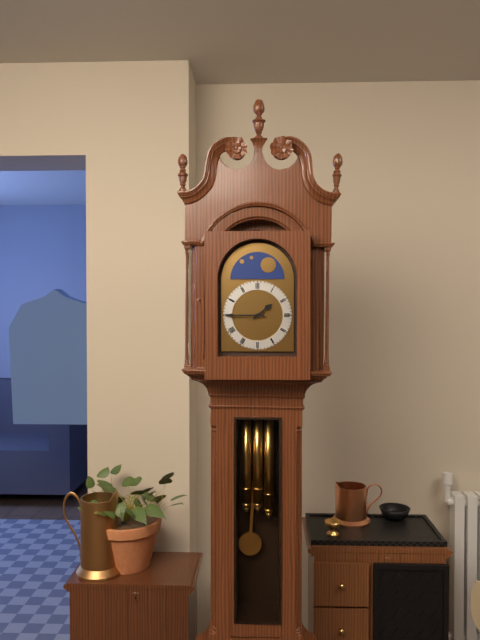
1.45
